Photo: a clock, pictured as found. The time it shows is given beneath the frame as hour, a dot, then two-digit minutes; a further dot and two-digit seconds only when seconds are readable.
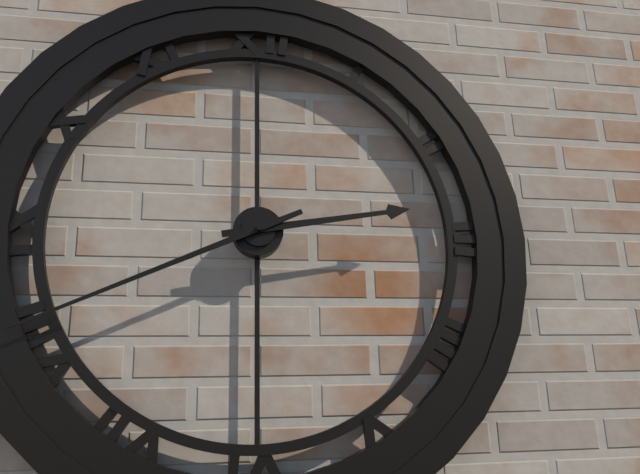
2.41
